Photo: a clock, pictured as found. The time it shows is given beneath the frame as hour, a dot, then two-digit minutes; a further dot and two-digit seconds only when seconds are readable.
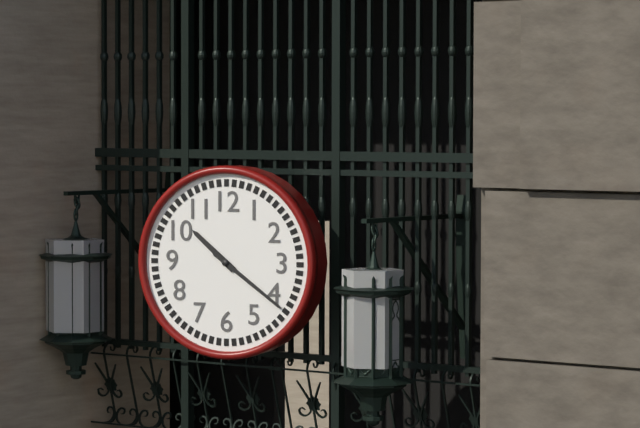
10.21
